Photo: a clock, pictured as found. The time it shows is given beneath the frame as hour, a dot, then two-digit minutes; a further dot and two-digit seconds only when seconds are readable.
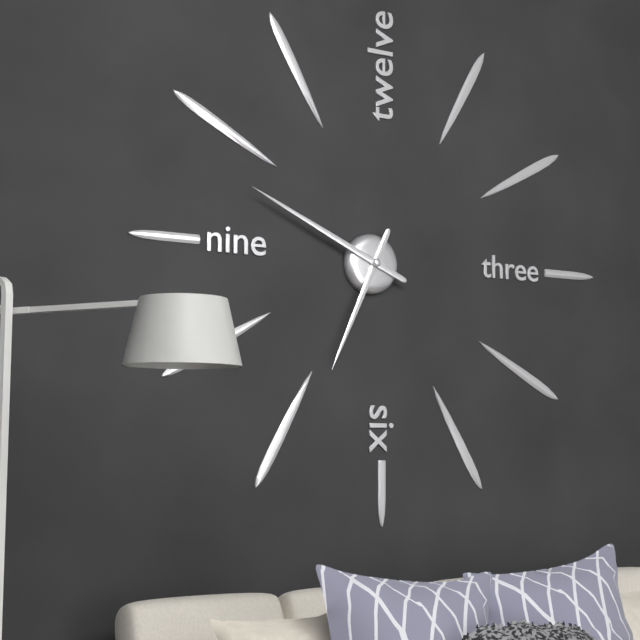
6.49
